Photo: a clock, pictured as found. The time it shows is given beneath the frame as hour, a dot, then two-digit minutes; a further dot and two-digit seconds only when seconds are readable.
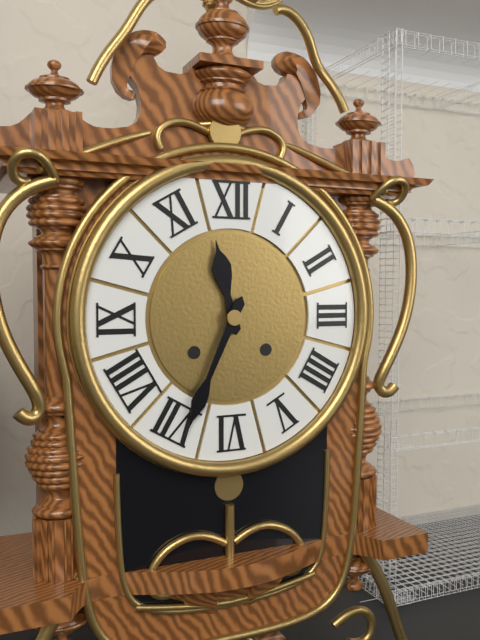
11.34
